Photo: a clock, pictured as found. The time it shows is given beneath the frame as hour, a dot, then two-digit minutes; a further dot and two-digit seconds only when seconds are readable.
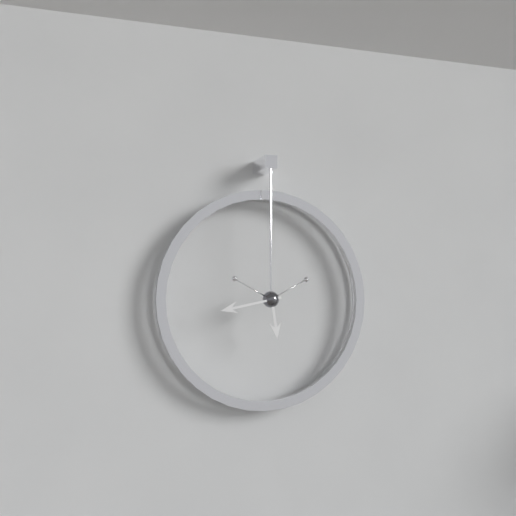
5.43
